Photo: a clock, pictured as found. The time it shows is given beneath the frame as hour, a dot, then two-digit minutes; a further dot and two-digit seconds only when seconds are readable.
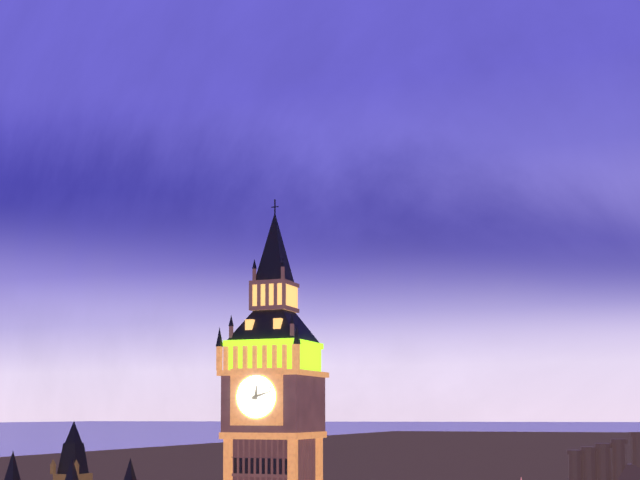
12.12
